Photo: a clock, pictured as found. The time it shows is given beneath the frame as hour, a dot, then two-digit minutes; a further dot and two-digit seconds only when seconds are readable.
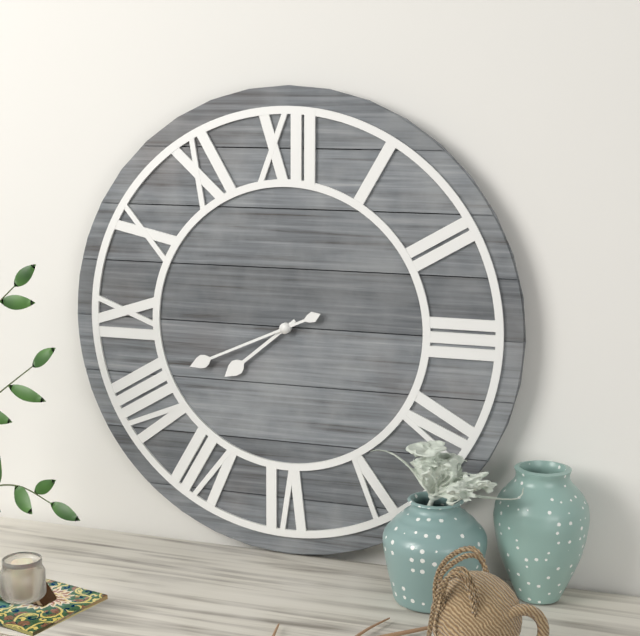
7.41
